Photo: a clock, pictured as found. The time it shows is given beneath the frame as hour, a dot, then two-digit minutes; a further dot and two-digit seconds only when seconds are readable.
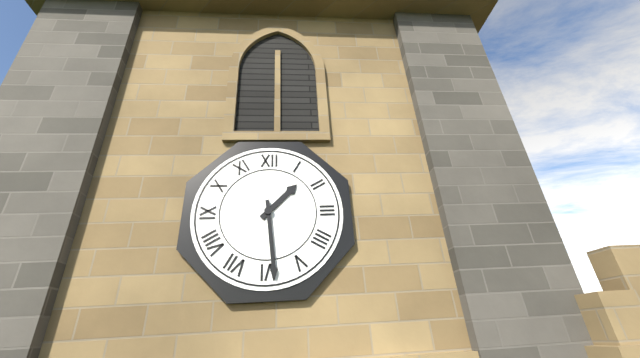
1.29
